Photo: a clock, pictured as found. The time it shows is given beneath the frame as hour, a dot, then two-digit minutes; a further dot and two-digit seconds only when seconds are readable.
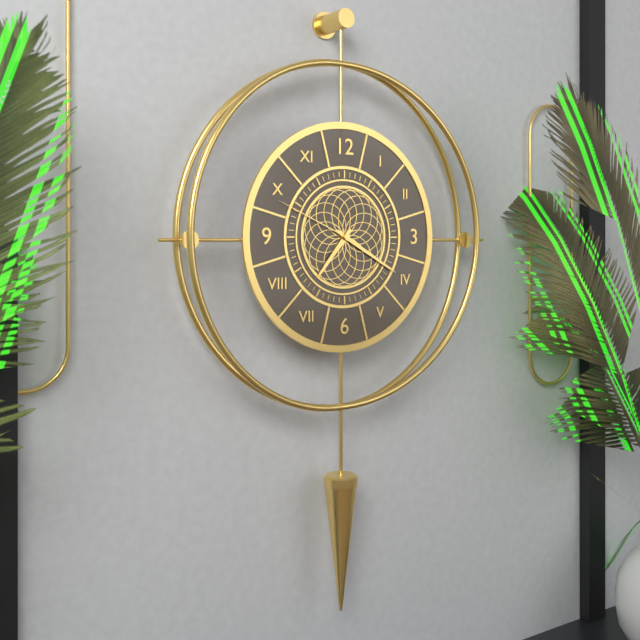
7.20.49
